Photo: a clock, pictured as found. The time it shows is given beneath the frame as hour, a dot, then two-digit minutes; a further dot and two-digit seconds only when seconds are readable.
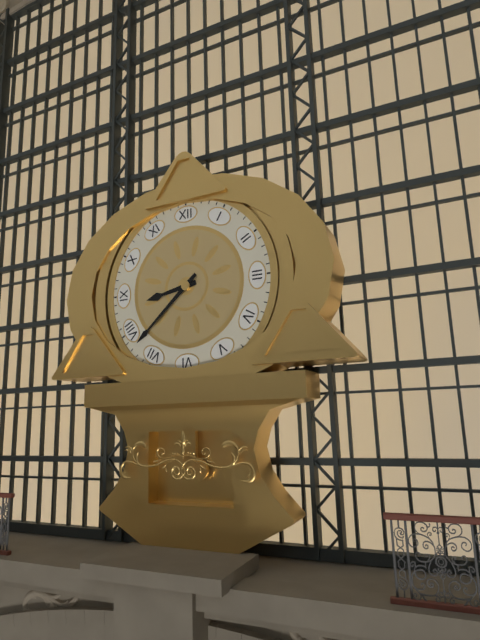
8.38
